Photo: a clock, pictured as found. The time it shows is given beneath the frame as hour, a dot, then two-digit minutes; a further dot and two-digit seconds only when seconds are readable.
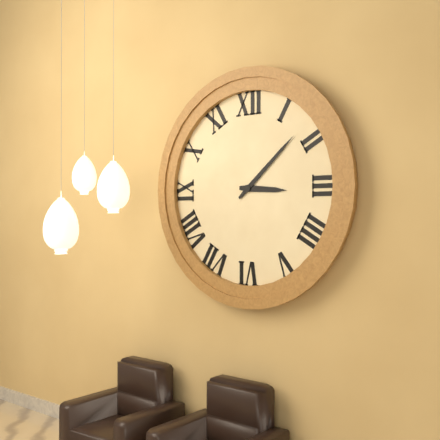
3.08
